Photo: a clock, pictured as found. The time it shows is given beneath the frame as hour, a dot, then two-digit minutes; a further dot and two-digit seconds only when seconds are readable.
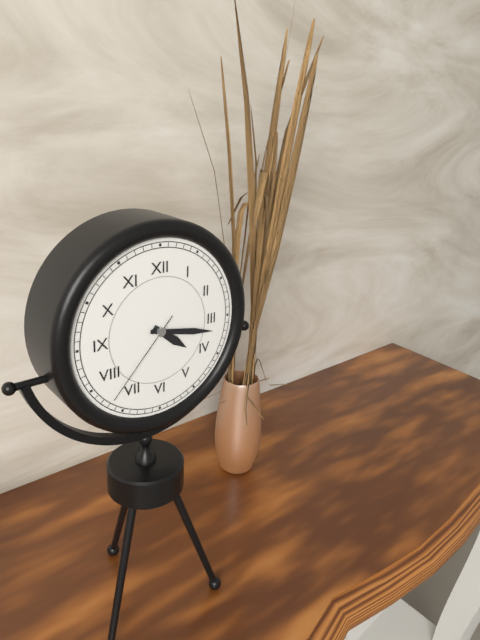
4.17.37
